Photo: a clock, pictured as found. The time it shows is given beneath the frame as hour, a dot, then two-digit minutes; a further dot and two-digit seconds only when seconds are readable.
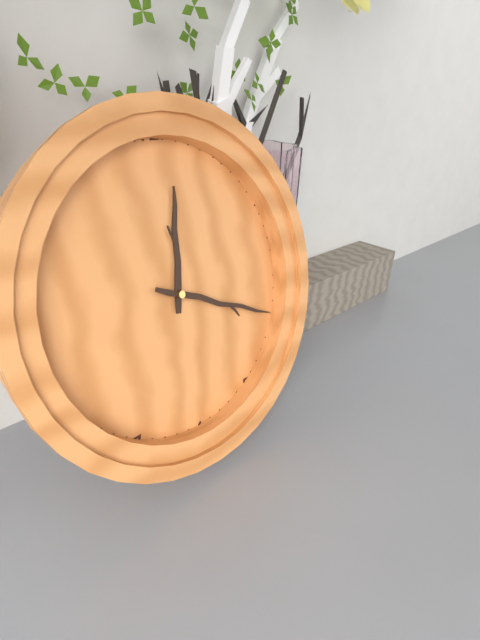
12.19
